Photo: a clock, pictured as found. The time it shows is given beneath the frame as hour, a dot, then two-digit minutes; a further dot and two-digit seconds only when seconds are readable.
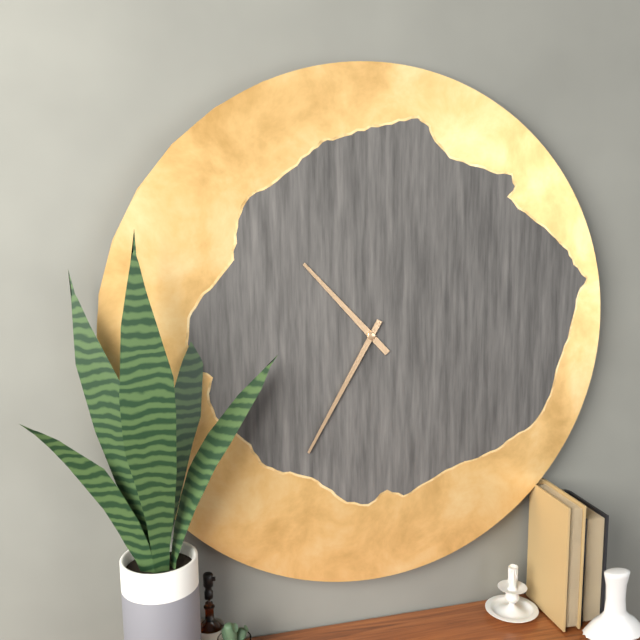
10.35
